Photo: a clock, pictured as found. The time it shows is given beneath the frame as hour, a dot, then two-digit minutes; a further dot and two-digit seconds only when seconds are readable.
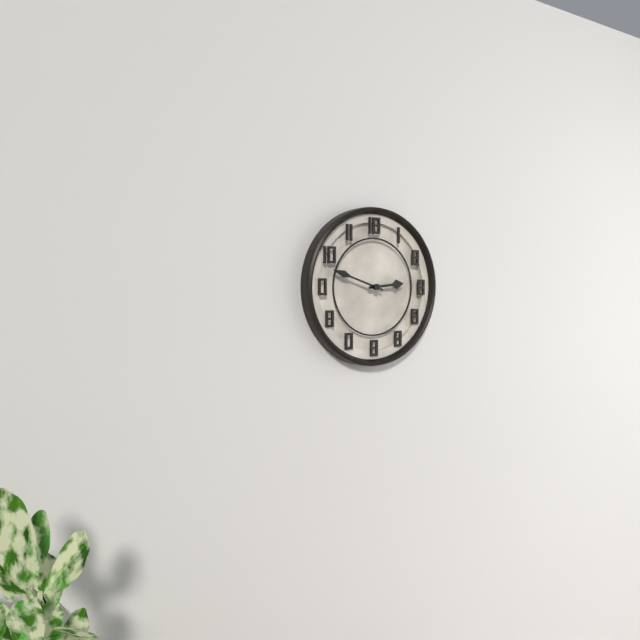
2.48
